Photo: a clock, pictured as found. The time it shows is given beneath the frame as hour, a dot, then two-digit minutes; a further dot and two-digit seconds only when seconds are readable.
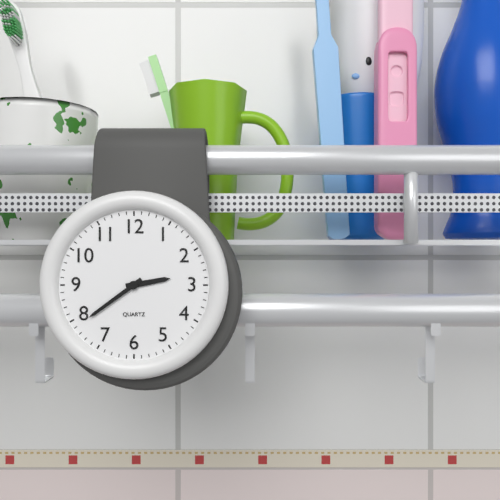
2.39
